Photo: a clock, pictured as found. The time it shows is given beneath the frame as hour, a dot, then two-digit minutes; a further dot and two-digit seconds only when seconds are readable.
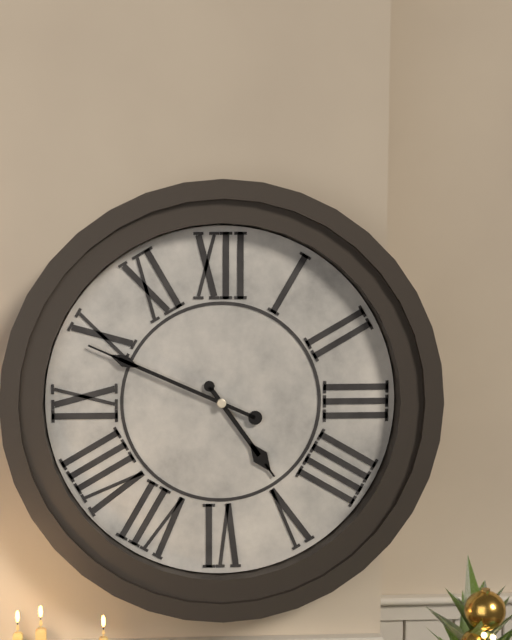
4.49
